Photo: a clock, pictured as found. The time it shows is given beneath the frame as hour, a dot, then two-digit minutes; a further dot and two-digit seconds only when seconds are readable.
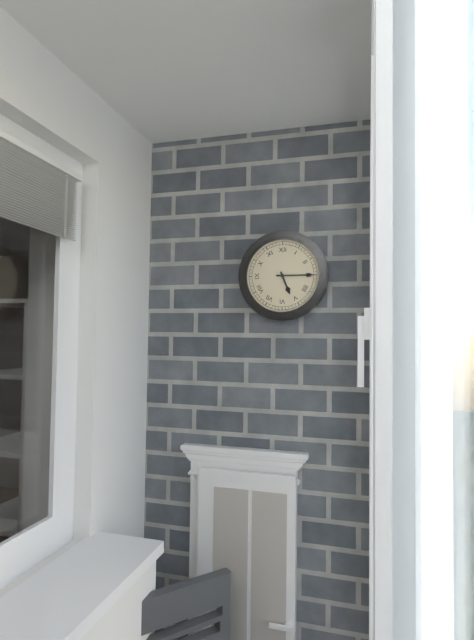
5.15
